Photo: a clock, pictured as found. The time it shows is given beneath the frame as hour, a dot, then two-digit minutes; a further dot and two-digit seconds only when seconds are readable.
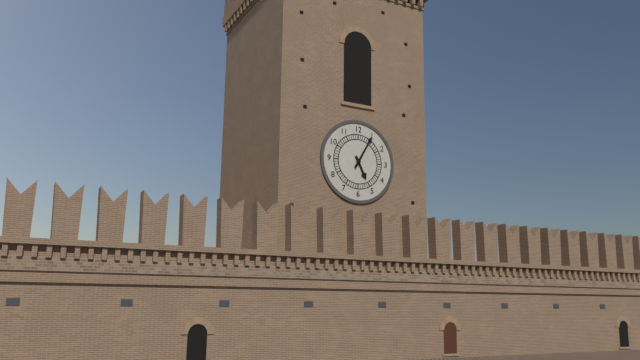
5.05
